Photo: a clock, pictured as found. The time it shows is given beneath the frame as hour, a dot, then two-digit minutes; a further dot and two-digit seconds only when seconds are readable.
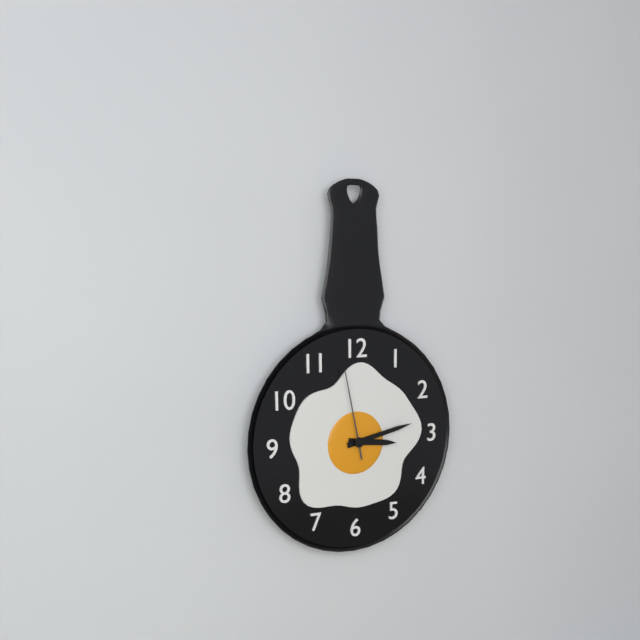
3.13.58
